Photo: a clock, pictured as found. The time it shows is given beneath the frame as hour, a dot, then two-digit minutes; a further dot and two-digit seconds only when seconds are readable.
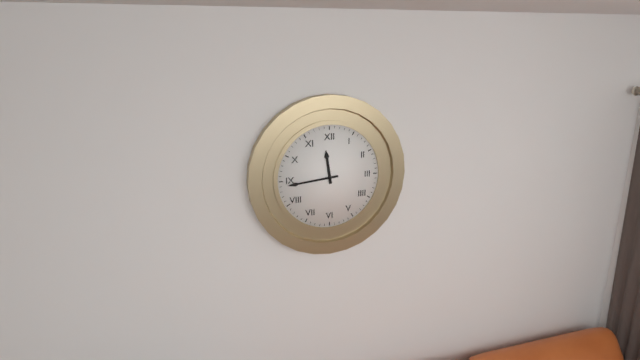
11.44
